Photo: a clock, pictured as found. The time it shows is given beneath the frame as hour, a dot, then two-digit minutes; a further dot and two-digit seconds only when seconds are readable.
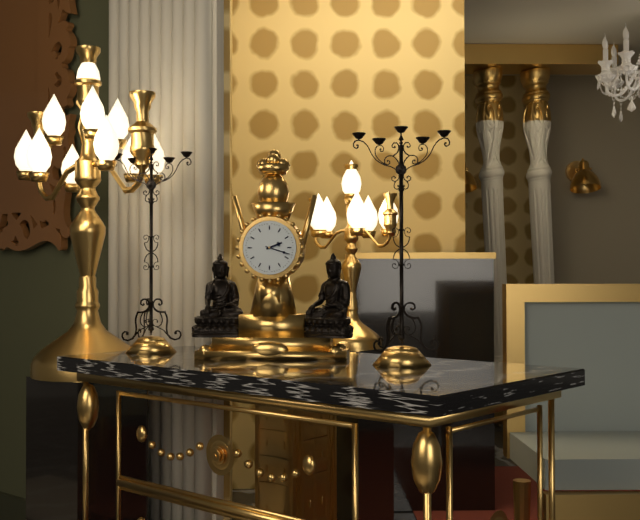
2.18
